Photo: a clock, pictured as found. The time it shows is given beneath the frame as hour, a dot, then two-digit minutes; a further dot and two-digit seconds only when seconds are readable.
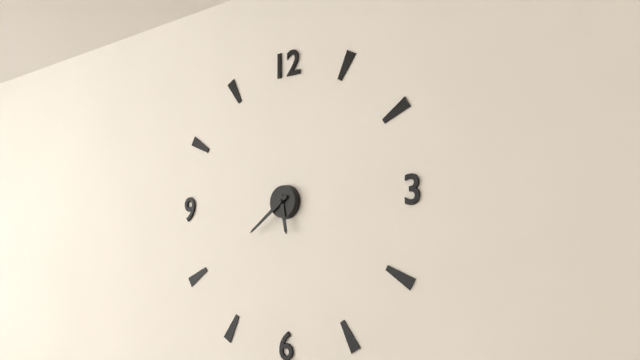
5.39
